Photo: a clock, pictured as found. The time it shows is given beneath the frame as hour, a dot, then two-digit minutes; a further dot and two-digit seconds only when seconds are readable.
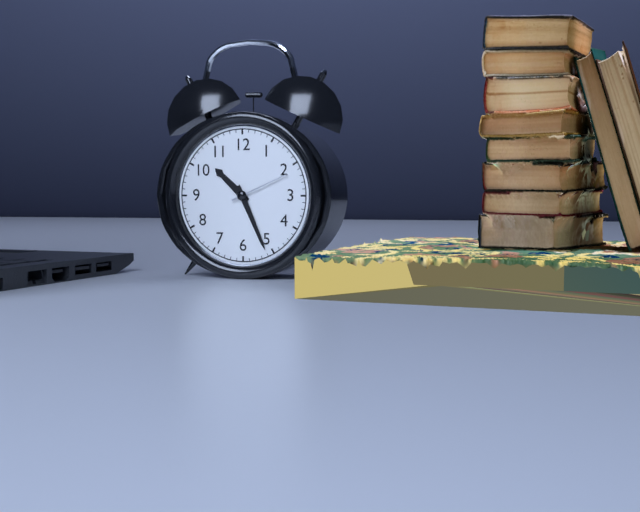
10.26.11
